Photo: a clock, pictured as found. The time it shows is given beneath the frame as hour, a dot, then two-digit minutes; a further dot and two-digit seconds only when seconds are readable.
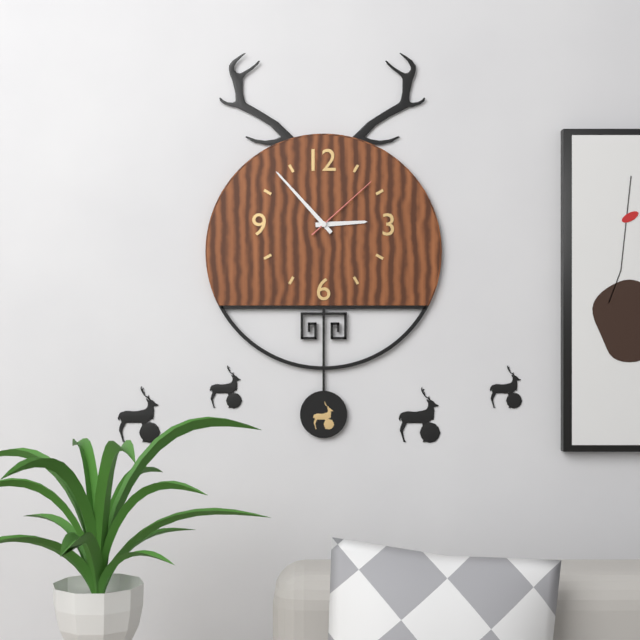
2.53.08
